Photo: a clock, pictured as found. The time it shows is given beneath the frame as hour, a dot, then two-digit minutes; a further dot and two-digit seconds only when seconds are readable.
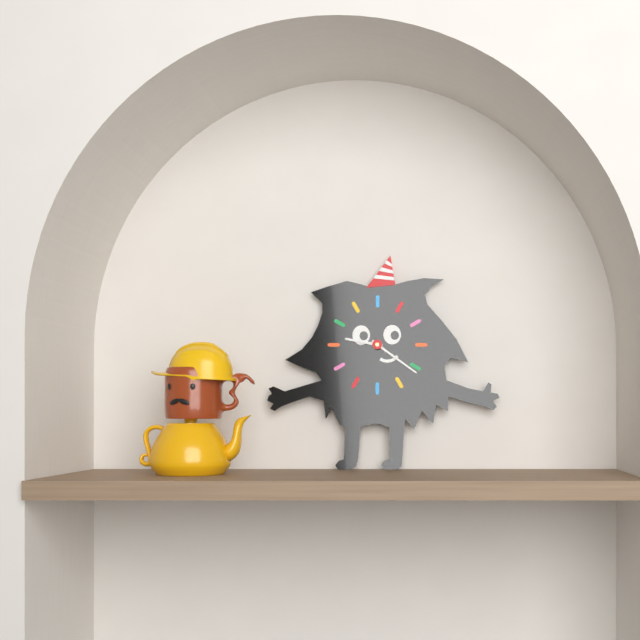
9.21
